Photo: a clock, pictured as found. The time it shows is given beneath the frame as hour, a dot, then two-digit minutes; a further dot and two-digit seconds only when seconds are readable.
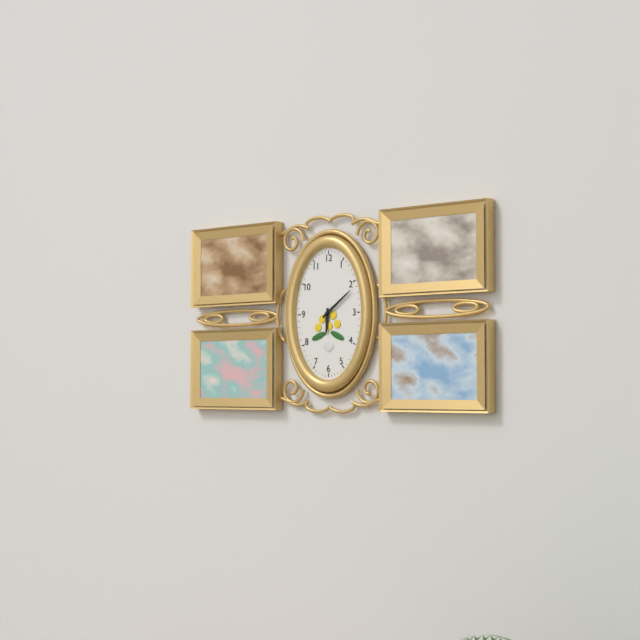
6.09
